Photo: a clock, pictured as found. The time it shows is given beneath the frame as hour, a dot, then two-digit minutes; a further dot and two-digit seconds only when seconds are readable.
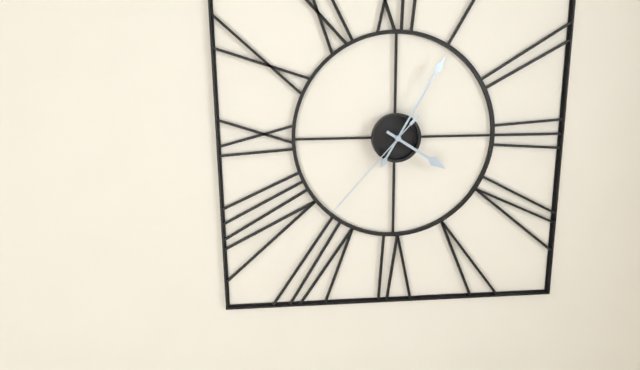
4.05.37
